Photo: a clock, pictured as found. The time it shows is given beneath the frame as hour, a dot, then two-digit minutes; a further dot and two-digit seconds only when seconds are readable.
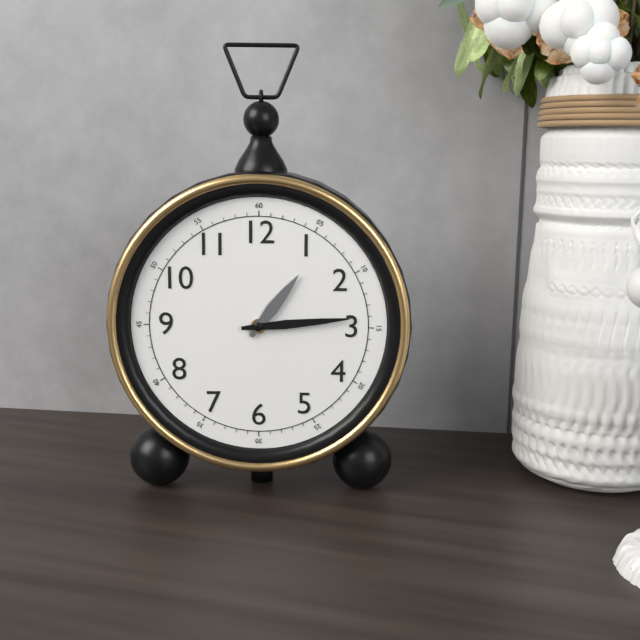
1.14
